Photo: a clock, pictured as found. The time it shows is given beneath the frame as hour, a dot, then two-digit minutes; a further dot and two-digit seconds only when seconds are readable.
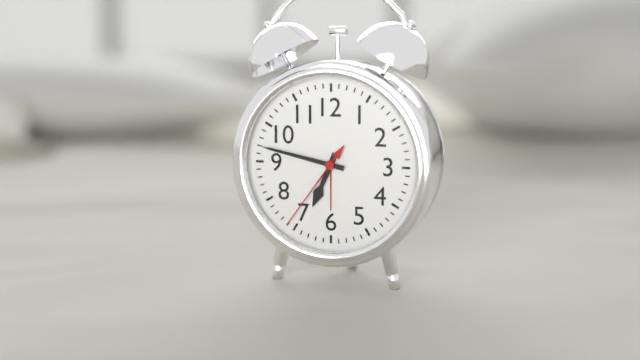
6.47.36
